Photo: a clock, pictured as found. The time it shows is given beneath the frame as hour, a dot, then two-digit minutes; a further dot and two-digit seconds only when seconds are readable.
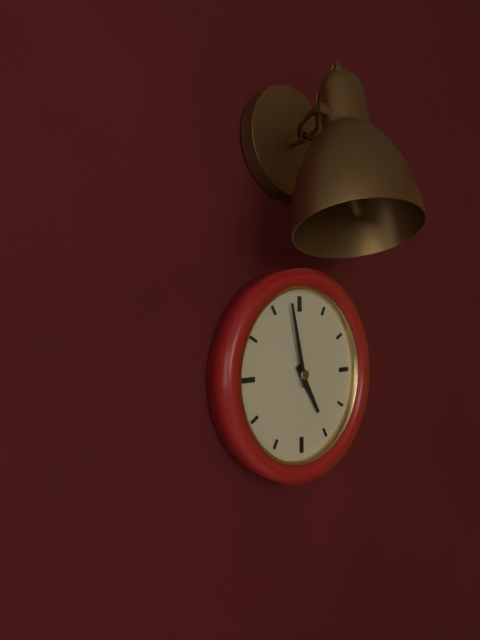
4.58
